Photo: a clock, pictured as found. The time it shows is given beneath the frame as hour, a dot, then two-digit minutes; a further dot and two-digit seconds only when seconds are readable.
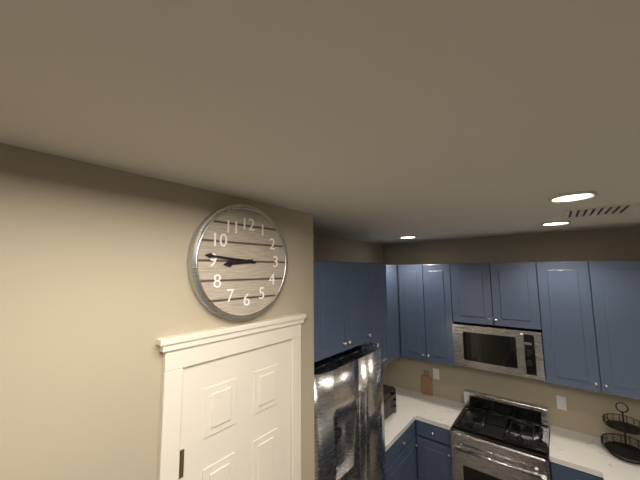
8.46
